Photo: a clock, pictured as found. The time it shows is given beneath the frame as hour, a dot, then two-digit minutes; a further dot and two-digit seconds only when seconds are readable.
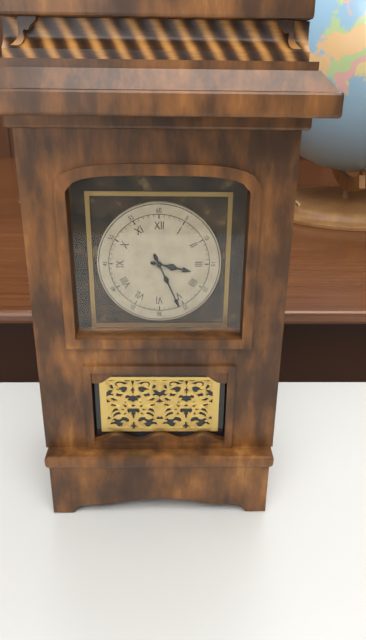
3.26
